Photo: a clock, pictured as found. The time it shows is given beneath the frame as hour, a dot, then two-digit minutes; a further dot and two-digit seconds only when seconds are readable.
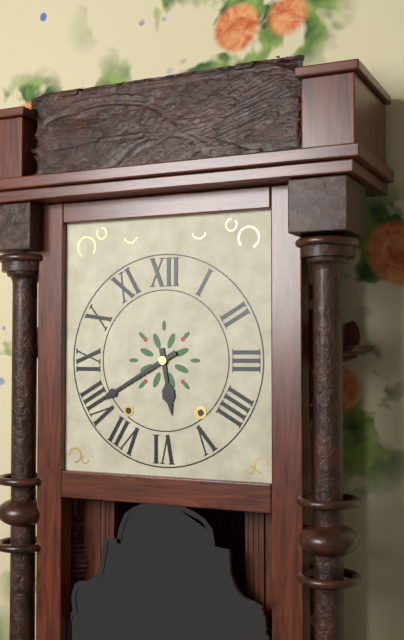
5.40
